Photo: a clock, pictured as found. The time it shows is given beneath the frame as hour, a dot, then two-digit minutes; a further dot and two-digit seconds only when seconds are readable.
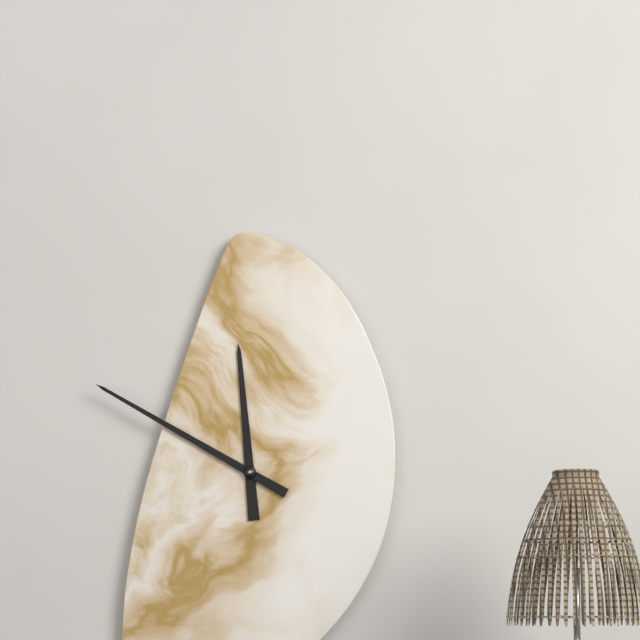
11.50
